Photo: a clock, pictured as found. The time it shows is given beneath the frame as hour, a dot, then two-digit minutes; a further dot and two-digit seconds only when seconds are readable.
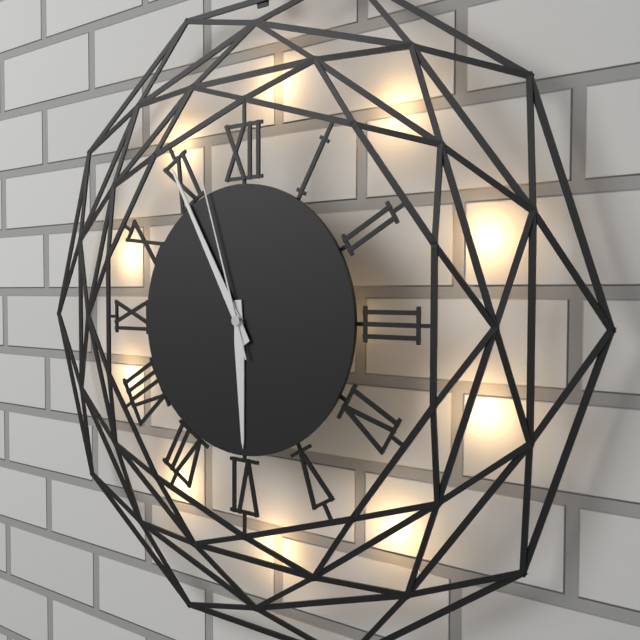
5.55.57
